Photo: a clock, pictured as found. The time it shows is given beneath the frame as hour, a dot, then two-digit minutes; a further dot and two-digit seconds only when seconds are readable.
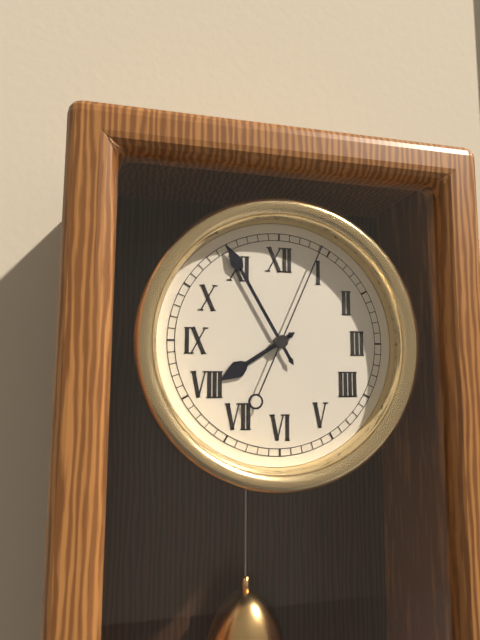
7.55.04
